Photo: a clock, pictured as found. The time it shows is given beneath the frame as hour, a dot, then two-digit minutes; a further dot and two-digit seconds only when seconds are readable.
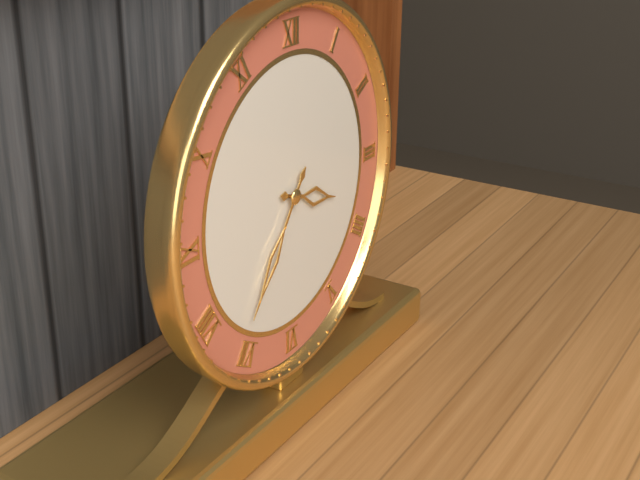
3.36
